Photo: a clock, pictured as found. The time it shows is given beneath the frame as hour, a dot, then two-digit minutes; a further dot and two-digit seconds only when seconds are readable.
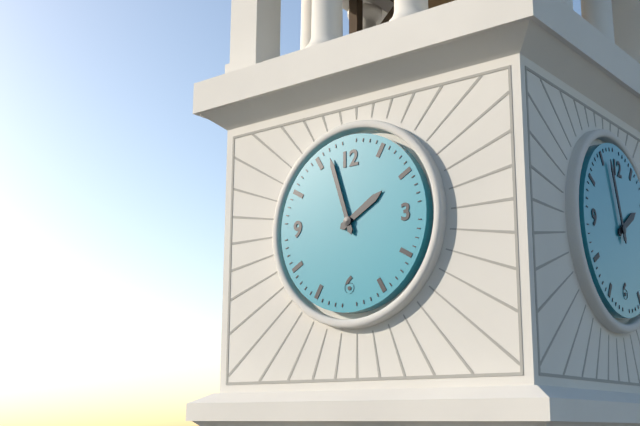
1.57
